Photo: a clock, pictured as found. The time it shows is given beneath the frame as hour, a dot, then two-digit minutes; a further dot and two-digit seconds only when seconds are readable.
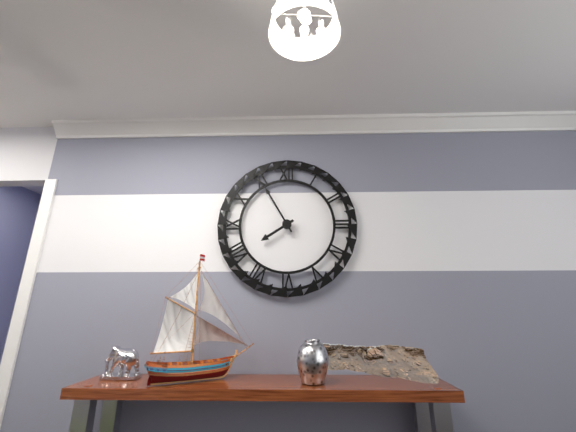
7.55
